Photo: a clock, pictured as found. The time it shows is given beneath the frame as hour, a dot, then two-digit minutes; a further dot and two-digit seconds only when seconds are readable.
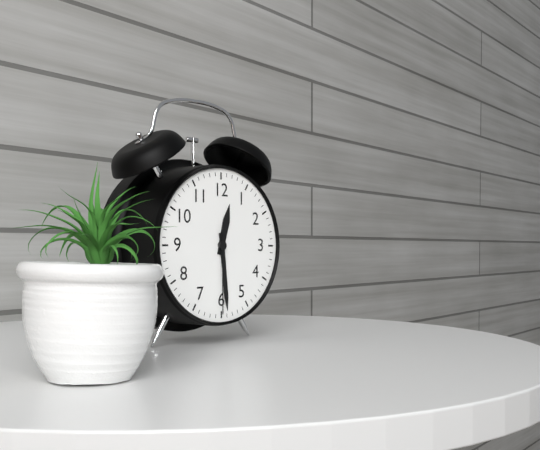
12.29.30
